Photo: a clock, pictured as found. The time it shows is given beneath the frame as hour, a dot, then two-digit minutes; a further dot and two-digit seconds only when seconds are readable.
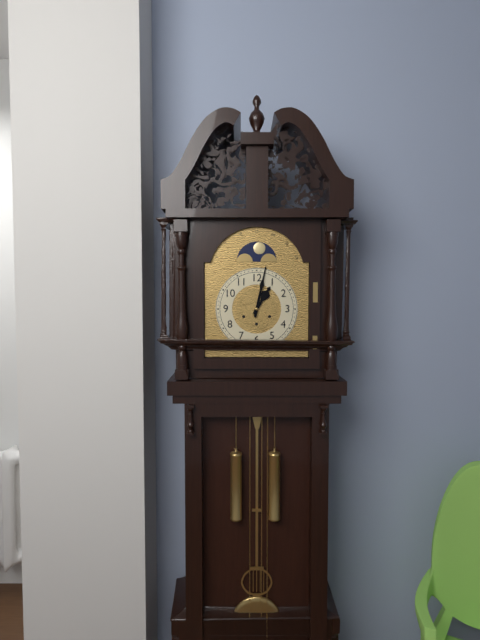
1.02
